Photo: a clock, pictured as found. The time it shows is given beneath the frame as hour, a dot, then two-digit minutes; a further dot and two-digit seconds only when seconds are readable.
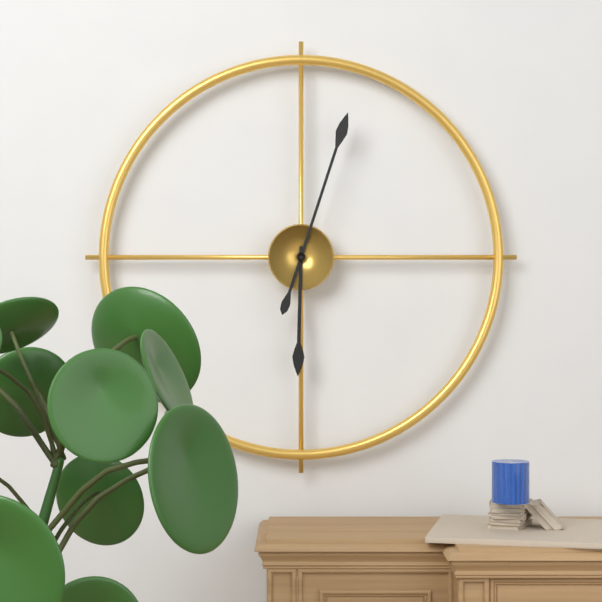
6.03
